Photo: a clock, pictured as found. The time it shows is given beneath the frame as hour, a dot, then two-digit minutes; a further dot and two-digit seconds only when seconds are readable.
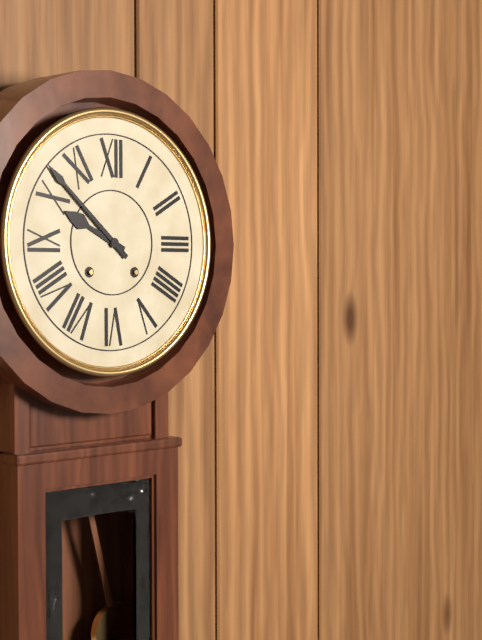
9.52
